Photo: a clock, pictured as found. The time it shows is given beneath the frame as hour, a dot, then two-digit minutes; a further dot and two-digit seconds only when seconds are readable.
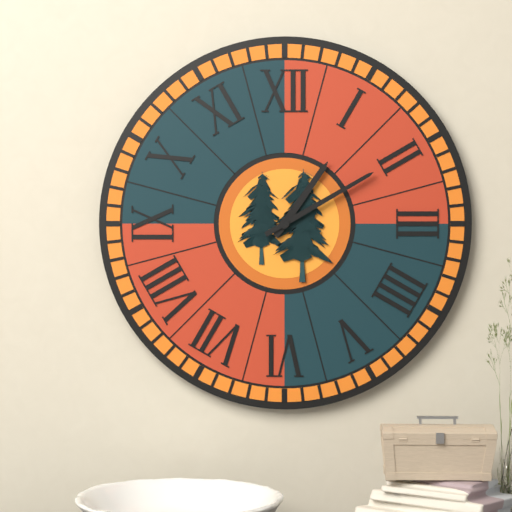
1.10
